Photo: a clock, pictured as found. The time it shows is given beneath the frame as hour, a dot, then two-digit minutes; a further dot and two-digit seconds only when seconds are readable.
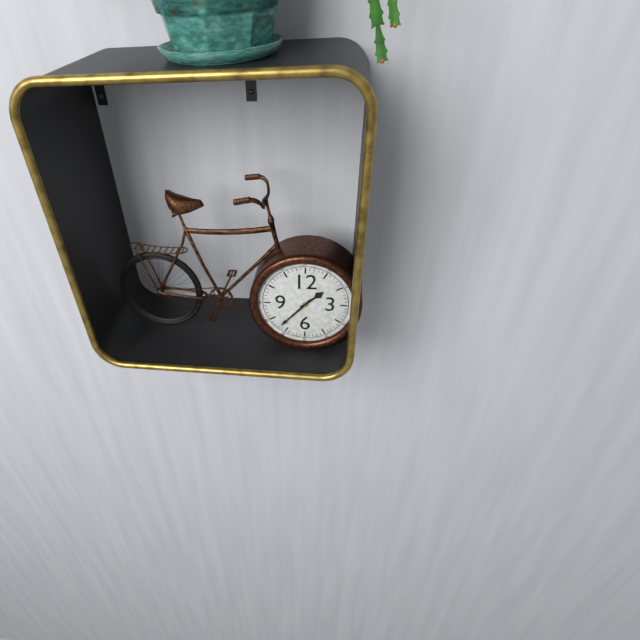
1.37
